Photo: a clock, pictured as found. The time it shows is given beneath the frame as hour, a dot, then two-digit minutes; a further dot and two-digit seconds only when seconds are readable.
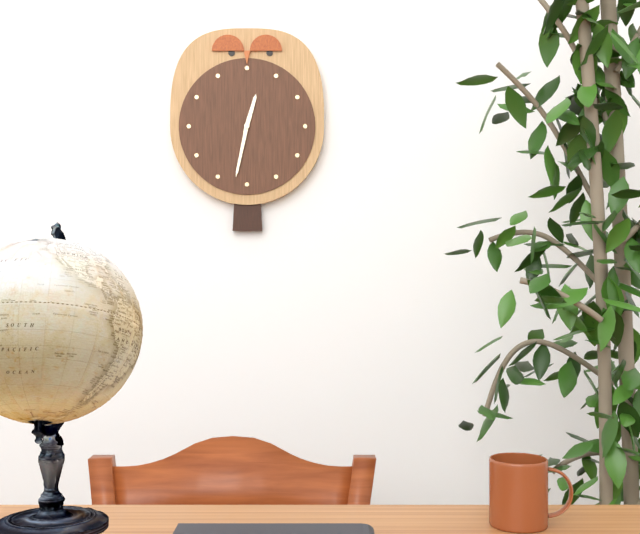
12.32
